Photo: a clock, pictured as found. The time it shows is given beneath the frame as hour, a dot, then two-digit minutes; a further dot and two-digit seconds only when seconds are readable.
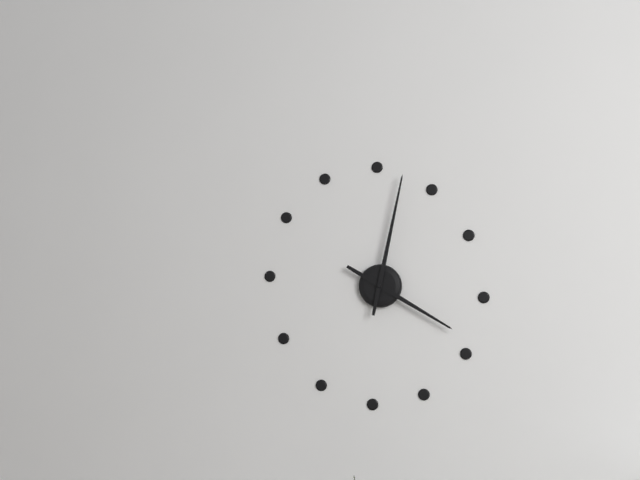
4.02
